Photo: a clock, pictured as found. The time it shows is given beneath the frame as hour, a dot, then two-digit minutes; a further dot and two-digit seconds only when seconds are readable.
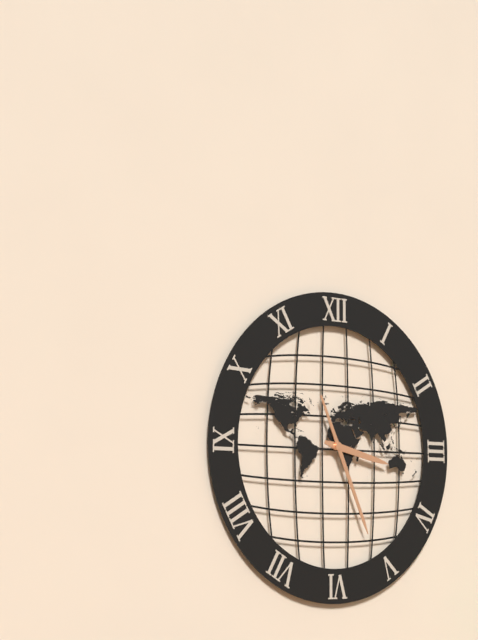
3.26
